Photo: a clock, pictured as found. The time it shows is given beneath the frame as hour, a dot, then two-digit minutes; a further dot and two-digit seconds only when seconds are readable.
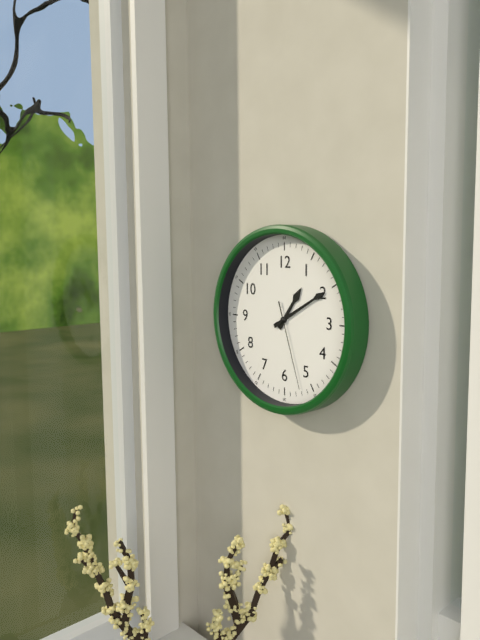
1.10.27
